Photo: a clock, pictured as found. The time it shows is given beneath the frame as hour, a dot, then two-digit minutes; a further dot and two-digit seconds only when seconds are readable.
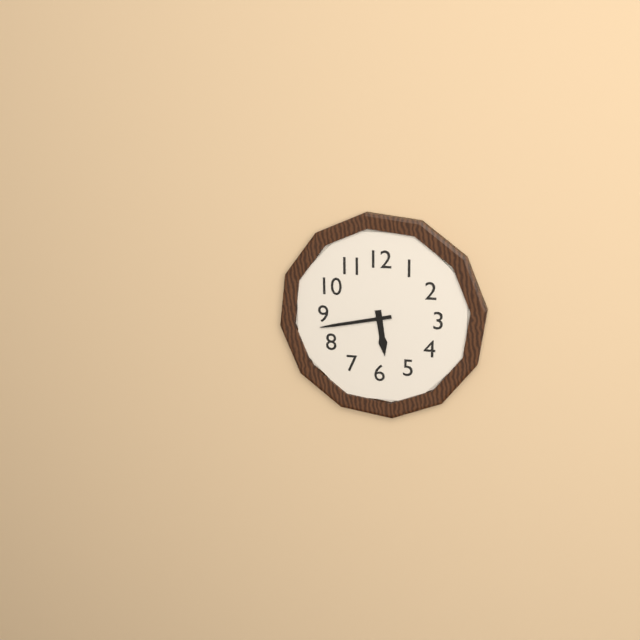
5.43
